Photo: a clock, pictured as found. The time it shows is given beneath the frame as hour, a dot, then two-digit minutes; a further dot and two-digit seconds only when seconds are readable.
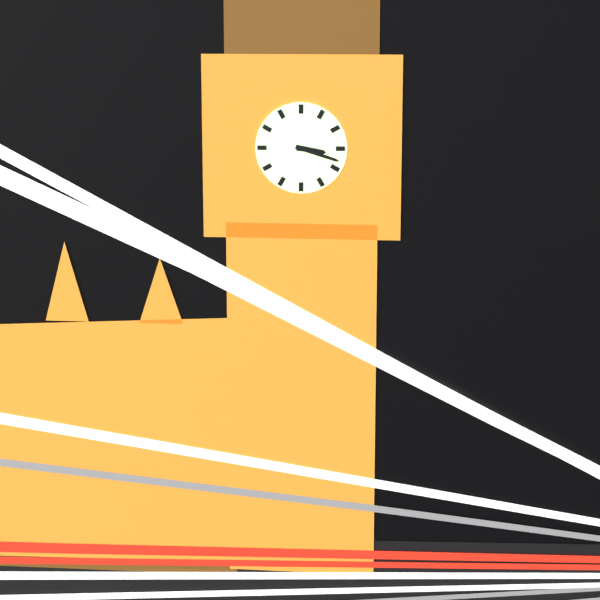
3.18
